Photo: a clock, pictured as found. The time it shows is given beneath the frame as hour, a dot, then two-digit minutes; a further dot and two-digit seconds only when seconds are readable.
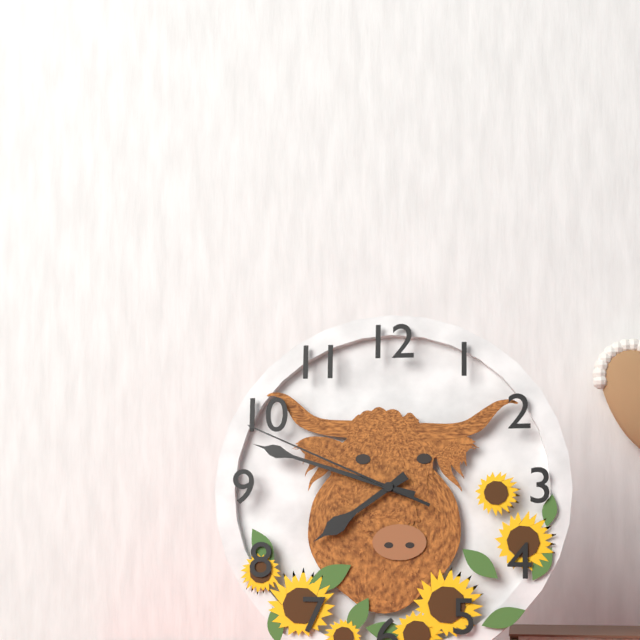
7.48.49
